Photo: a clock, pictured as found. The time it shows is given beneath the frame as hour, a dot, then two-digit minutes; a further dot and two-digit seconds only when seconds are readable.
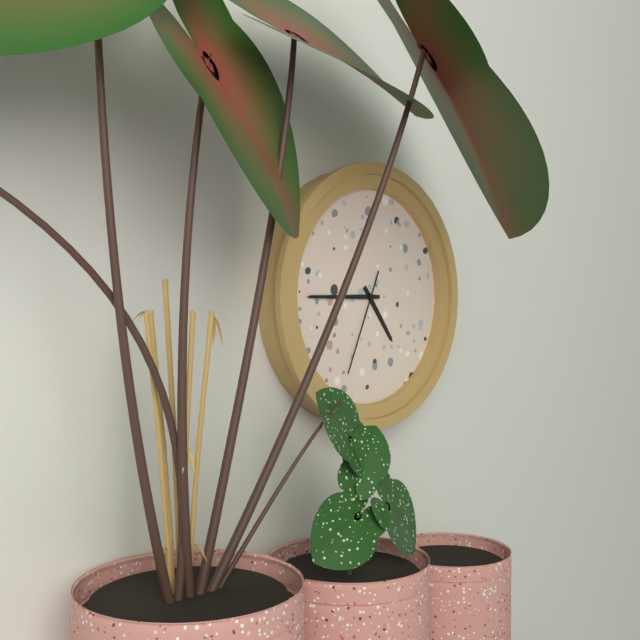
4.45.34
